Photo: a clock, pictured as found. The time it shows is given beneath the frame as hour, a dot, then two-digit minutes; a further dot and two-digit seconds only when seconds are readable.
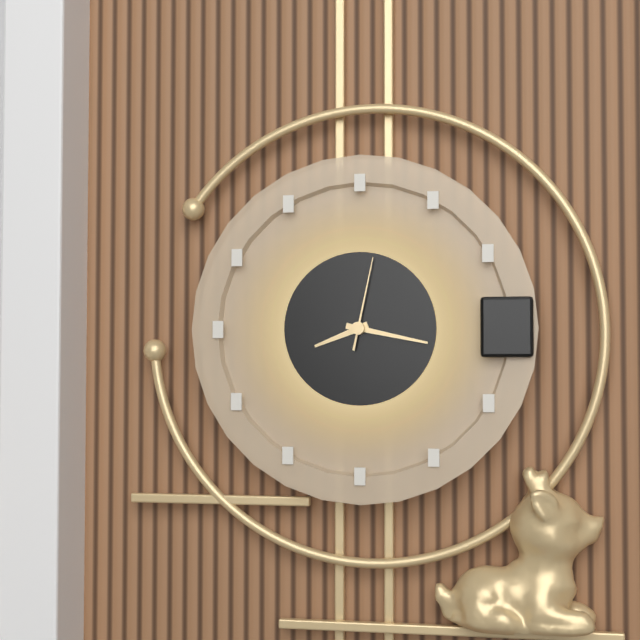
8.17.02
